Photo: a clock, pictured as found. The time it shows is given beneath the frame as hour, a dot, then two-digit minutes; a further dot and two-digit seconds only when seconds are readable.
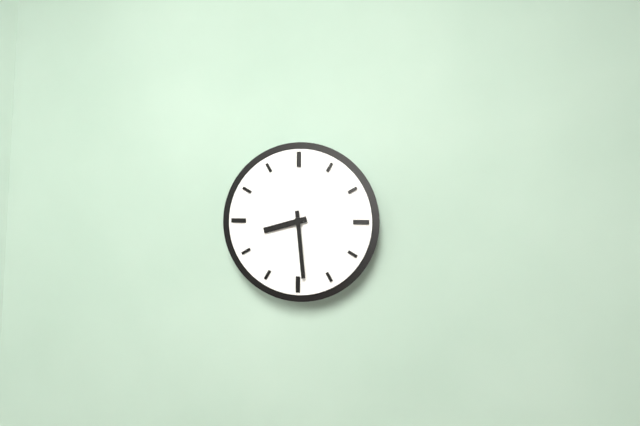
8.29
